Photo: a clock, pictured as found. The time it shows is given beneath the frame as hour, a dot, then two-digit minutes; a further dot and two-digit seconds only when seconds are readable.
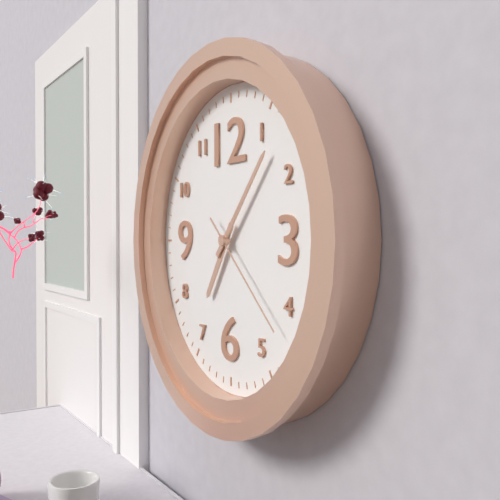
7.07.22
